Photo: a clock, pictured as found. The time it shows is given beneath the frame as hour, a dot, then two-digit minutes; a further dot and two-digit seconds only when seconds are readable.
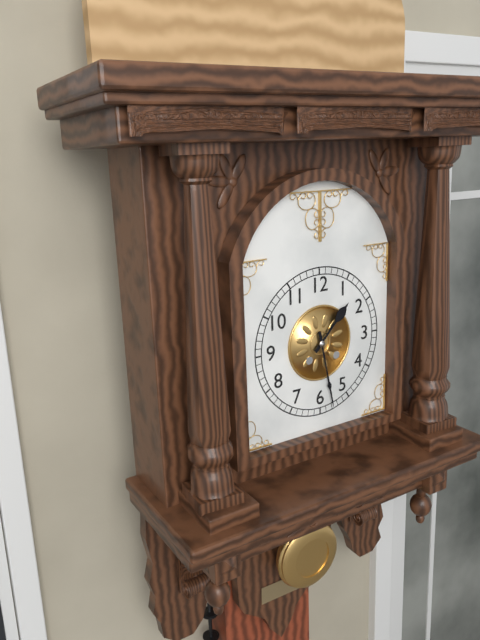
1.28
